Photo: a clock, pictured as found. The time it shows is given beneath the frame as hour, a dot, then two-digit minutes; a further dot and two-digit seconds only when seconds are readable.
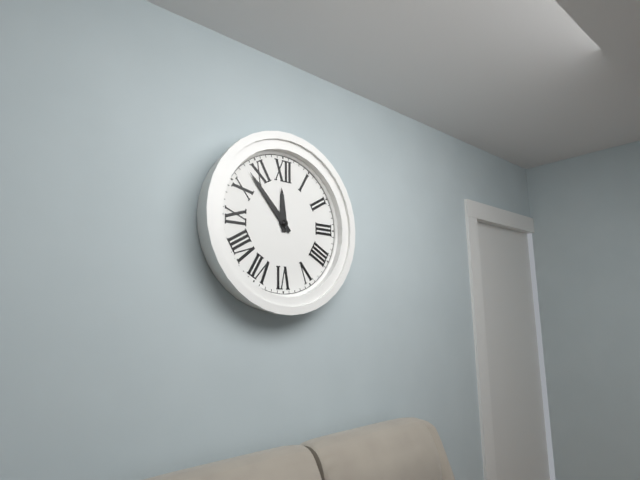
11.53
